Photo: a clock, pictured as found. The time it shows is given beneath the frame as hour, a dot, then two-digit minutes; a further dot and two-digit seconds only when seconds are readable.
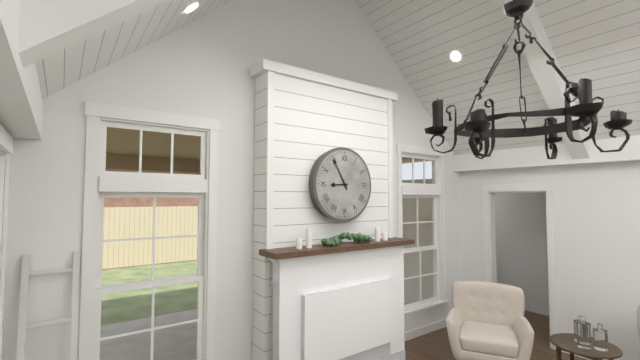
8.55
